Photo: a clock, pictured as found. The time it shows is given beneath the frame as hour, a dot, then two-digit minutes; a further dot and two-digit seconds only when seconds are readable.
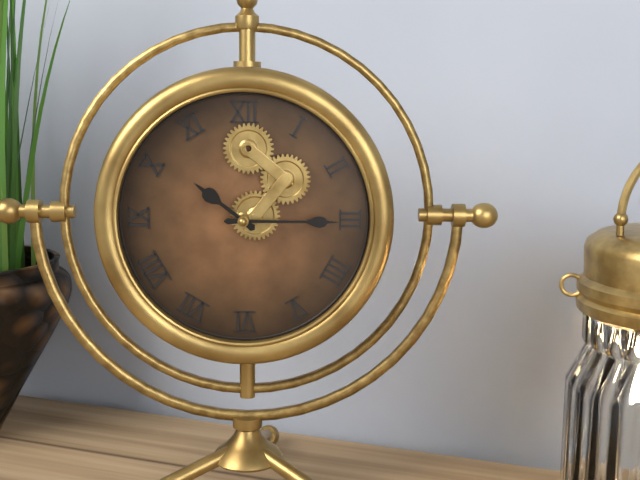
10.15
